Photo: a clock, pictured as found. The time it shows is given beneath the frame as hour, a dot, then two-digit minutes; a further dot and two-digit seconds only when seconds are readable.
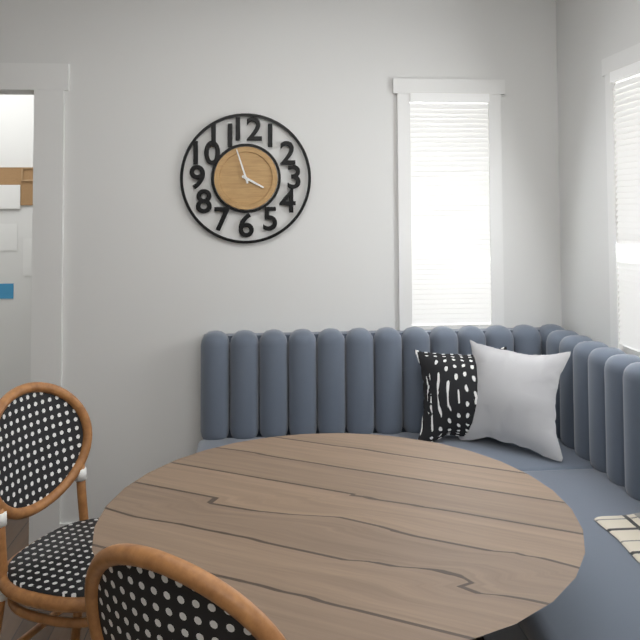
3.57
